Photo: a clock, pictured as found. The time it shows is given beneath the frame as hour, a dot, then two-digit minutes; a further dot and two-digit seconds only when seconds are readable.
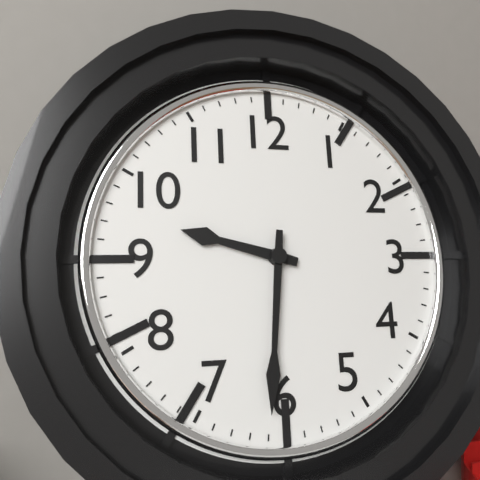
9.31
